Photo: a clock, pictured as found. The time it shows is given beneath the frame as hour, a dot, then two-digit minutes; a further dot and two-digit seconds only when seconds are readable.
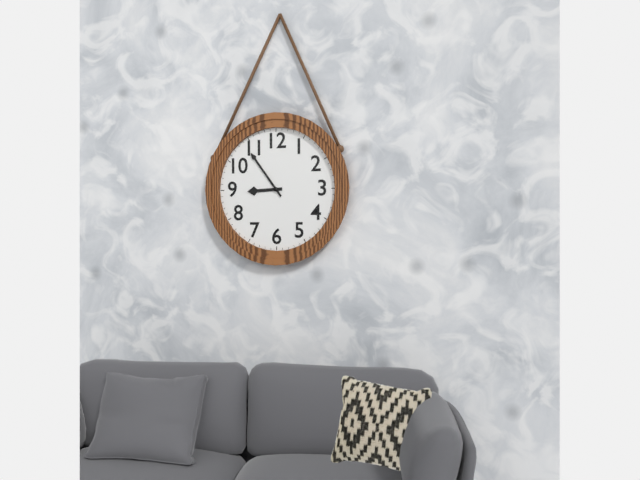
8.54
